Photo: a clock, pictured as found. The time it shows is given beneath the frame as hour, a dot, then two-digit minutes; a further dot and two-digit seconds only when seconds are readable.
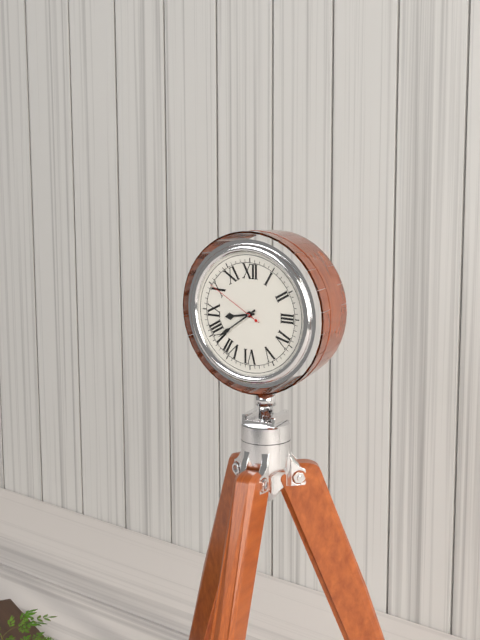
8.39.50
